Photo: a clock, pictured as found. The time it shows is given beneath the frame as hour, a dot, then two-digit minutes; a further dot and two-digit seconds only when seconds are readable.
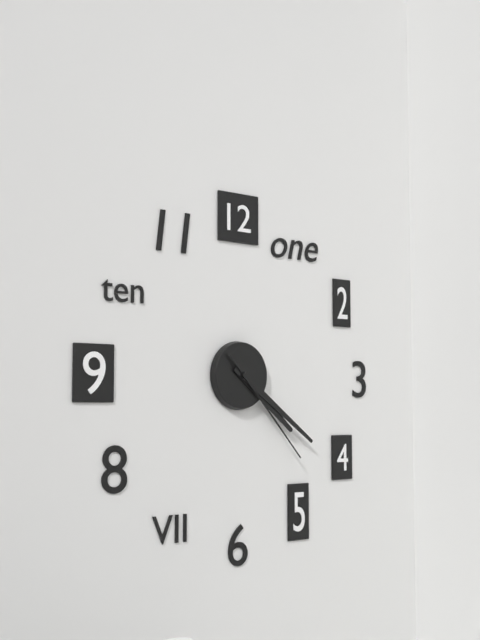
4.21.23
